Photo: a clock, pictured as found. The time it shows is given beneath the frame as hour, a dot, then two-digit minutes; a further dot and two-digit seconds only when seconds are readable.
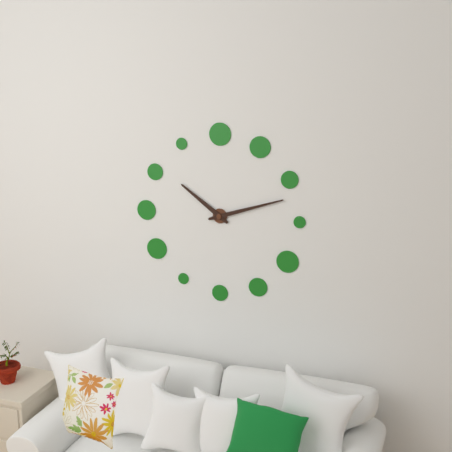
10.12
